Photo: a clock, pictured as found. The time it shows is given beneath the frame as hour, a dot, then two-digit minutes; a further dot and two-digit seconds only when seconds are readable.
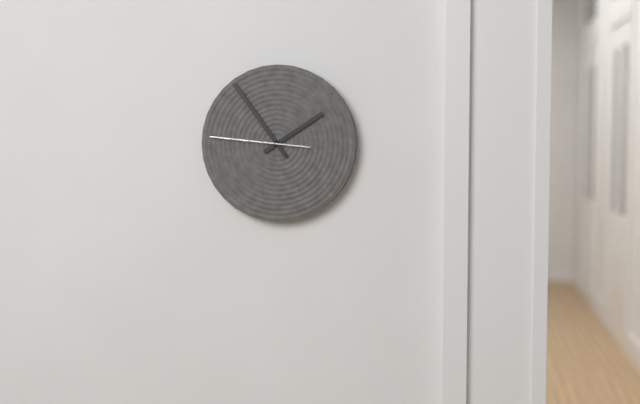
1.54.46
